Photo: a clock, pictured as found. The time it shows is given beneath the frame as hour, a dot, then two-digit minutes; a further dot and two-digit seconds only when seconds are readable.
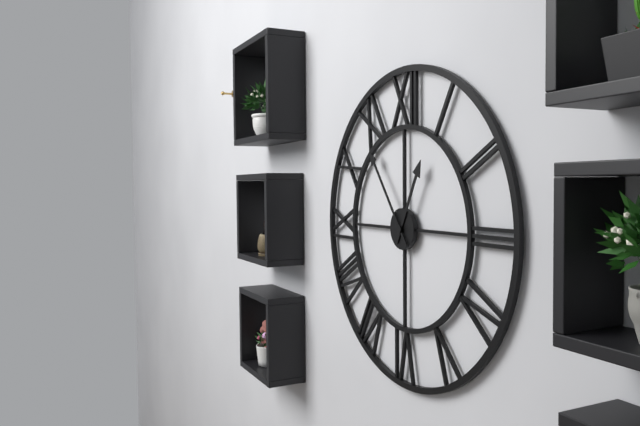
12.54
